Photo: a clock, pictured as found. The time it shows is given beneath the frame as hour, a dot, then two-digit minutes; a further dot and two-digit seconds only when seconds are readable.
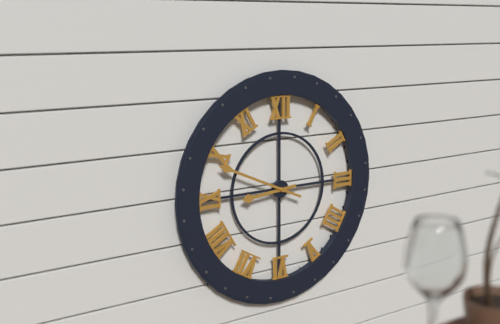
8.49
